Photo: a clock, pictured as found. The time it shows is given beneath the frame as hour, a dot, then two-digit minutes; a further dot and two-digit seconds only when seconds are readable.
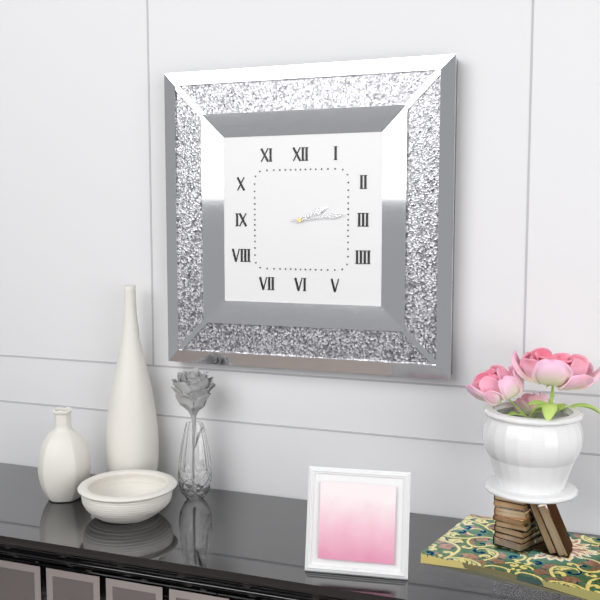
2.14
